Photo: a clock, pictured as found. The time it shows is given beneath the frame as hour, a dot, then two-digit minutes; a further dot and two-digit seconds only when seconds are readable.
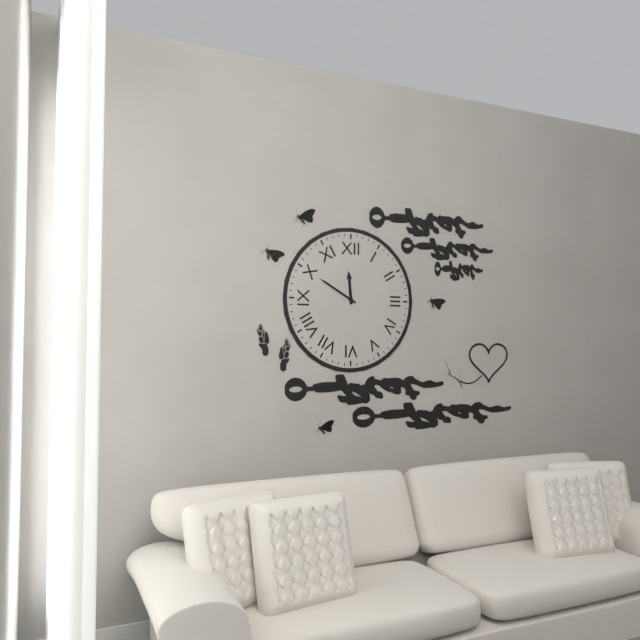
11.50
